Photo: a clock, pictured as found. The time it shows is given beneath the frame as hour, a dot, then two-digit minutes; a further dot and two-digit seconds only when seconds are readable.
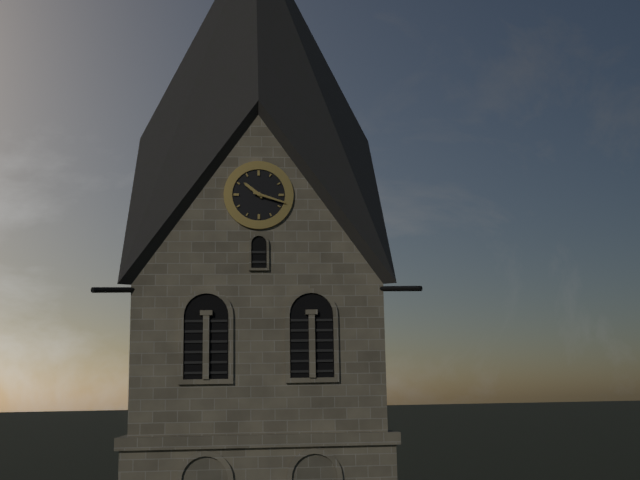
10.18
